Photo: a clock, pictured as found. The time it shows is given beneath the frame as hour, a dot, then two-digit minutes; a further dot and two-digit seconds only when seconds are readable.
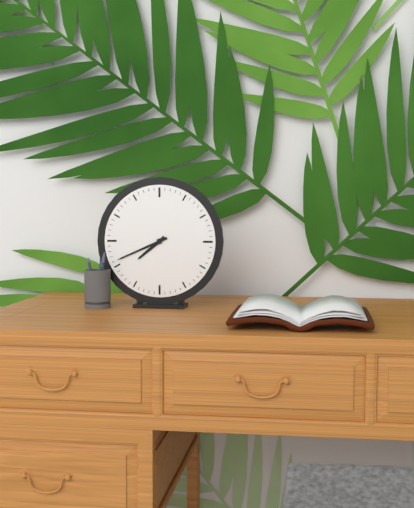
7.41
